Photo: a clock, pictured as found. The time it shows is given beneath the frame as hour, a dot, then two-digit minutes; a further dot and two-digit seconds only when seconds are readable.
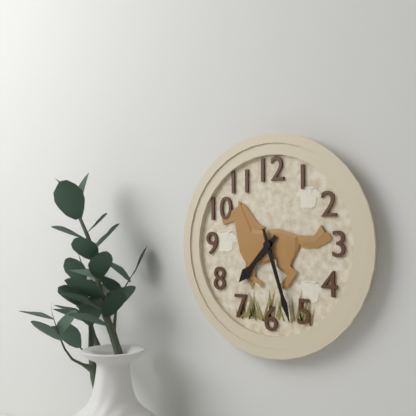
7.27
